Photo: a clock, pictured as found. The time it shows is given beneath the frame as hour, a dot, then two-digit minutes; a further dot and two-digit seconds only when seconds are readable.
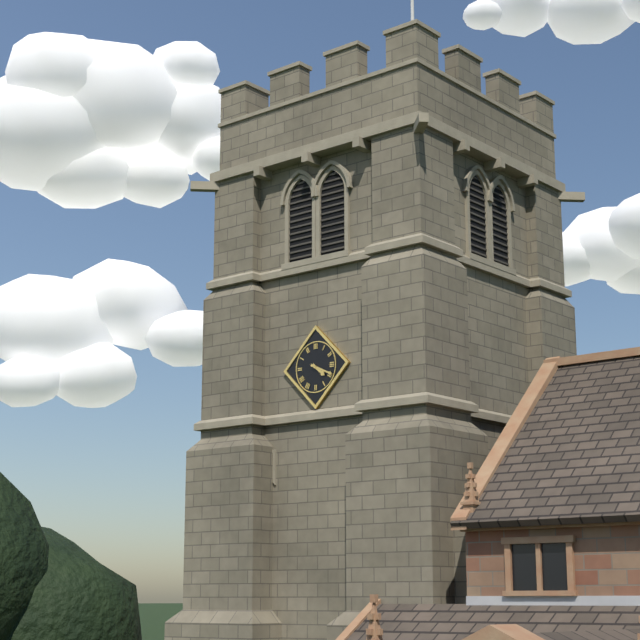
4.19
